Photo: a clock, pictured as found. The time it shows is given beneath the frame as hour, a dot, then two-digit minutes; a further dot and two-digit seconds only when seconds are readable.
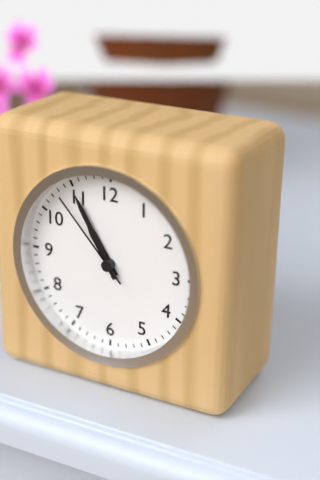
10.55.53
